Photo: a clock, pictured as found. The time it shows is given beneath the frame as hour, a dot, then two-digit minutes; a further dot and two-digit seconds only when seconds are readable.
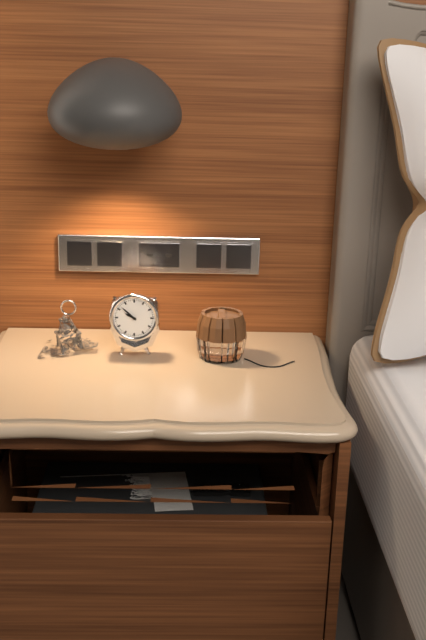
9.52
